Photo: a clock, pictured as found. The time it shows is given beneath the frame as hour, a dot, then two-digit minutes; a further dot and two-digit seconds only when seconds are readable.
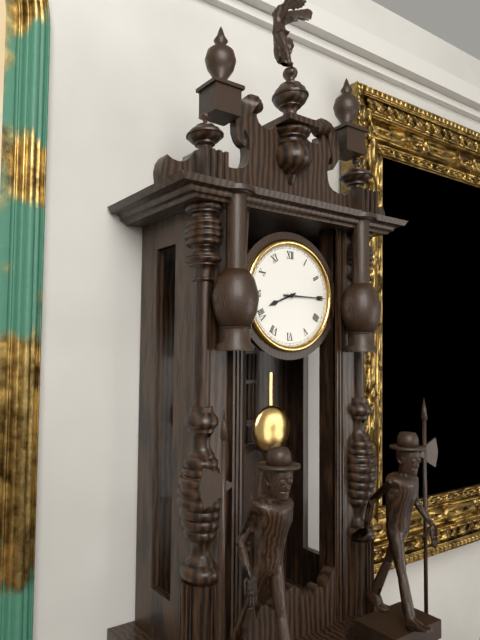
8.15
